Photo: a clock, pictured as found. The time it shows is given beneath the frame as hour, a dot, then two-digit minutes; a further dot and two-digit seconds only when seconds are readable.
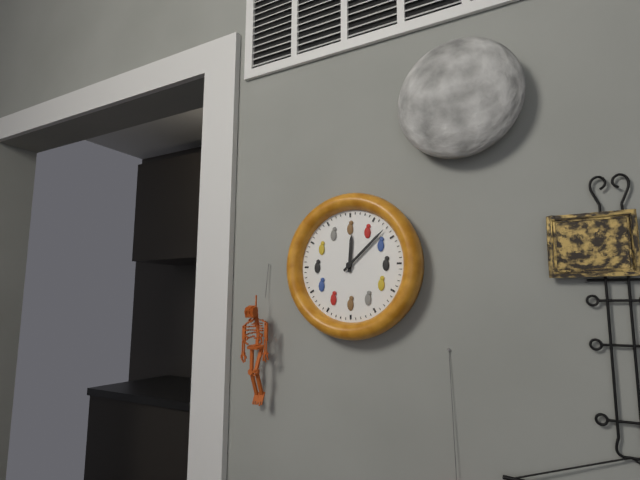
12.08
